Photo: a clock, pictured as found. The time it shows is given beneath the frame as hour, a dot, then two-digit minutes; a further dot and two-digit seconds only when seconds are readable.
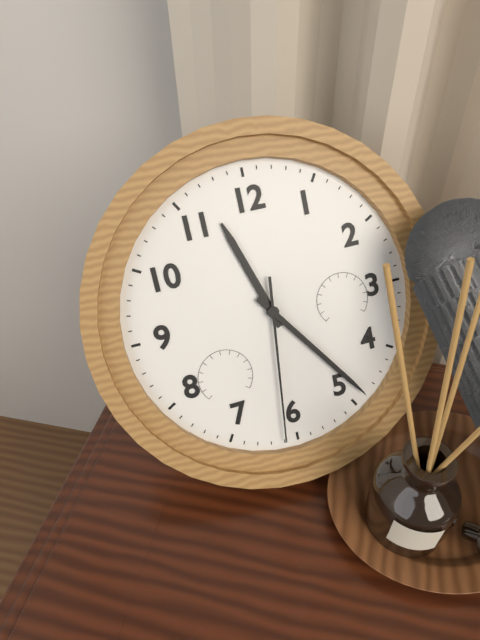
11.24.31
